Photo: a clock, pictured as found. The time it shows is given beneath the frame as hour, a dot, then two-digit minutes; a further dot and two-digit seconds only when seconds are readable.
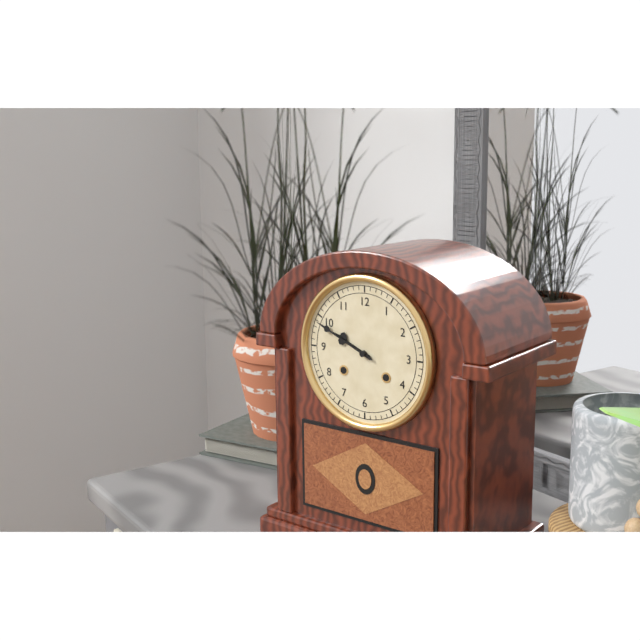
9.49
